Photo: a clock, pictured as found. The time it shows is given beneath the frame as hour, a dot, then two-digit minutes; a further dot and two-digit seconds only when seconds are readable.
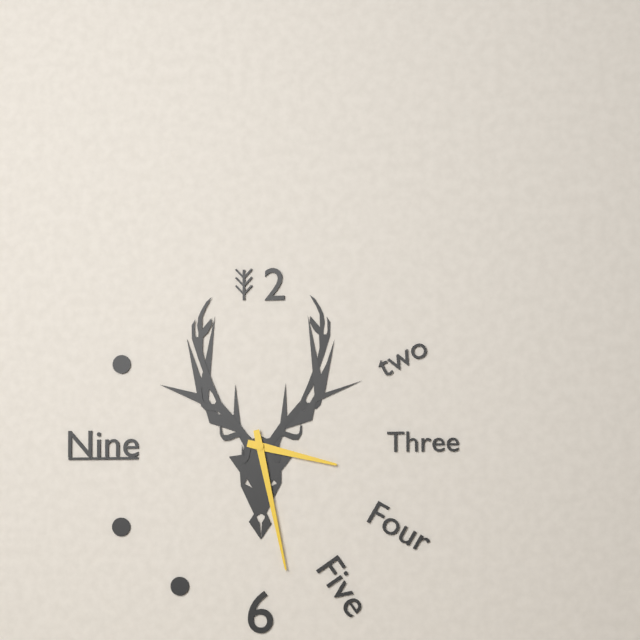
3.28
